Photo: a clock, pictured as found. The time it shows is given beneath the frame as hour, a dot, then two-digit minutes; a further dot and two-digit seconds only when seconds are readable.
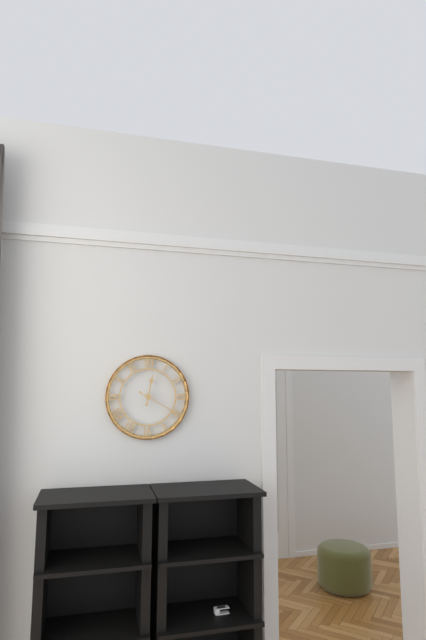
12.20
